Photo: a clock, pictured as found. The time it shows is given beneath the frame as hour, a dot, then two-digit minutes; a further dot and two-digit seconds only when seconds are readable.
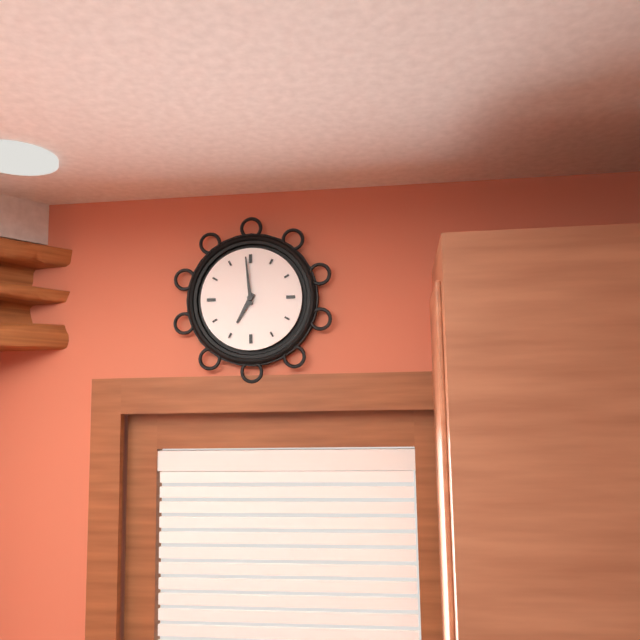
6.59
